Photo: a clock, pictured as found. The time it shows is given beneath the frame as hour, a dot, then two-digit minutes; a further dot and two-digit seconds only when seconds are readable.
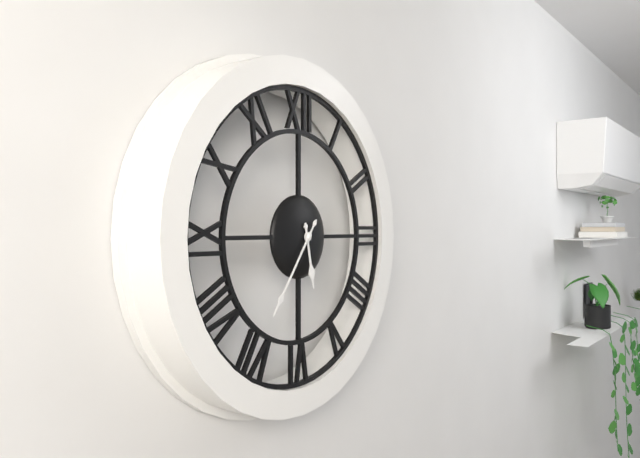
5.36
